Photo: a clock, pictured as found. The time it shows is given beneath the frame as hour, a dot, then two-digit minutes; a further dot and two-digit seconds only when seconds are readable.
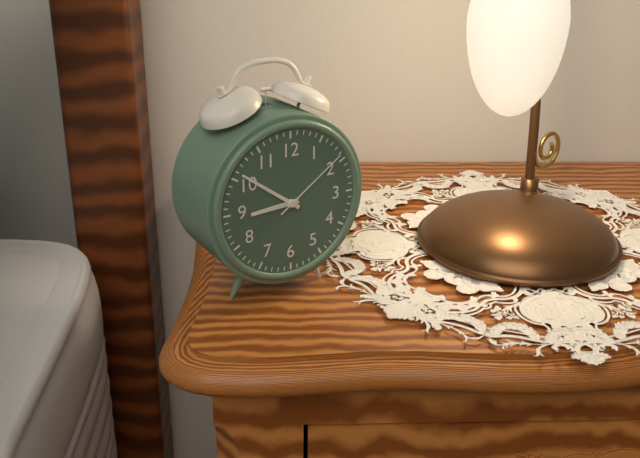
8.51.09
